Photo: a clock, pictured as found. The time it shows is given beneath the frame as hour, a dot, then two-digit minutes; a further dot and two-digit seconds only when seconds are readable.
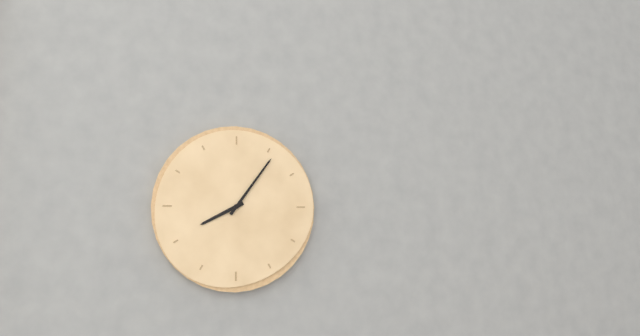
8.06
